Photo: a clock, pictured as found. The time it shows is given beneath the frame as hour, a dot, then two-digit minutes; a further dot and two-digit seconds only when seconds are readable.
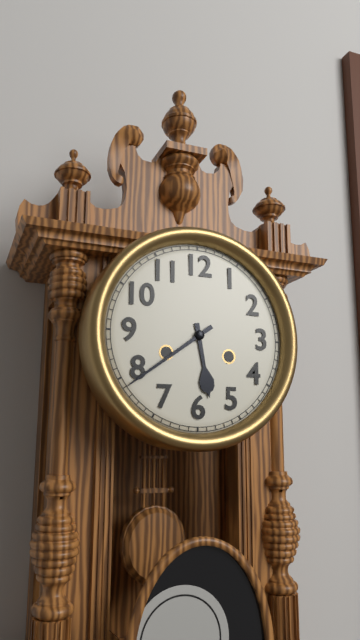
5.39
